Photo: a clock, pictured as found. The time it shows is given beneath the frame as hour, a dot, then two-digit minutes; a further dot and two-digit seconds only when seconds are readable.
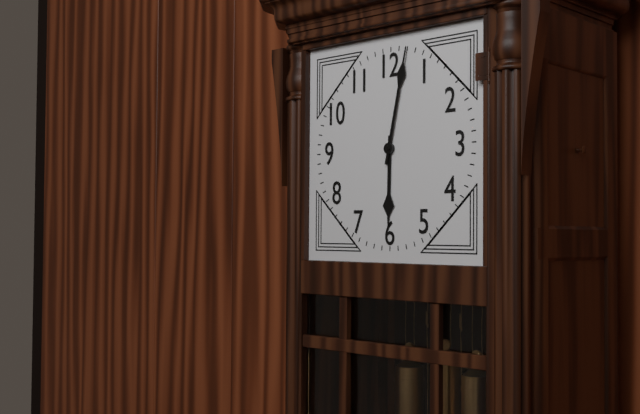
6.02
